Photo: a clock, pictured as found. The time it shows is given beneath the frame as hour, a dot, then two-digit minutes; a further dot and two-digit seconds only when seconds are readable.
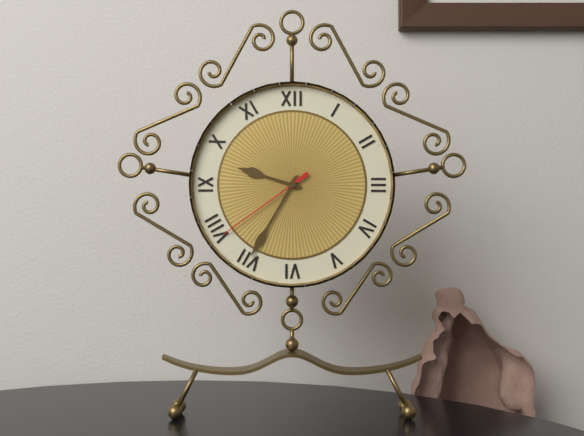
9.35.39
